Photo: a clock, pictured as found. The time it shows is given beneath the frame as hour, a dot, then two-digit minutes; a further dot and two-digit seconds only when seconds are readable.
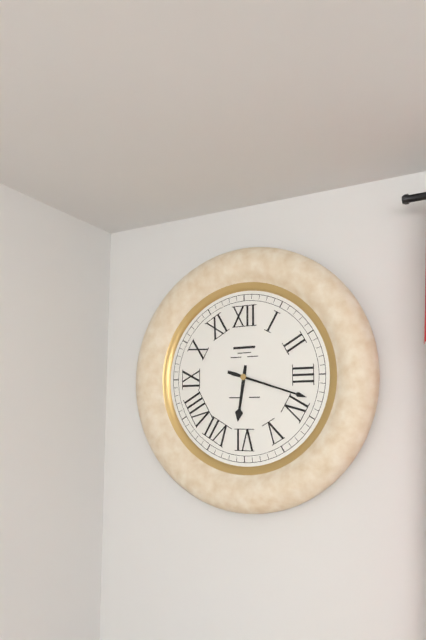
6.18
